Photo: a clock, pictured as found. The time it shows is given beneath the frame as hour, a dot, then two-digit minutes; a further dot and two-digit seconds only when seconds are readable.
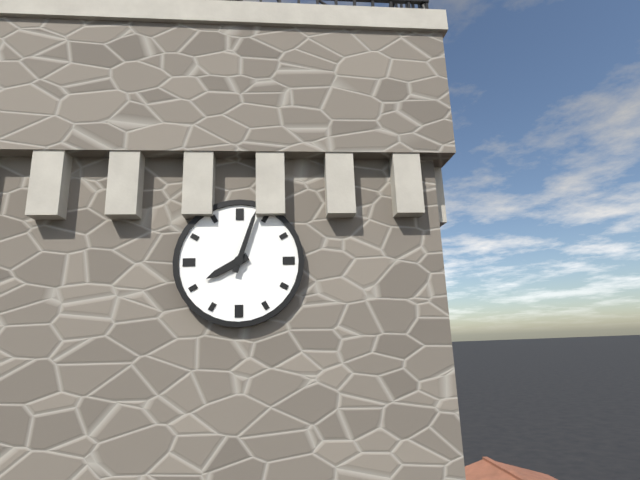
8.03
